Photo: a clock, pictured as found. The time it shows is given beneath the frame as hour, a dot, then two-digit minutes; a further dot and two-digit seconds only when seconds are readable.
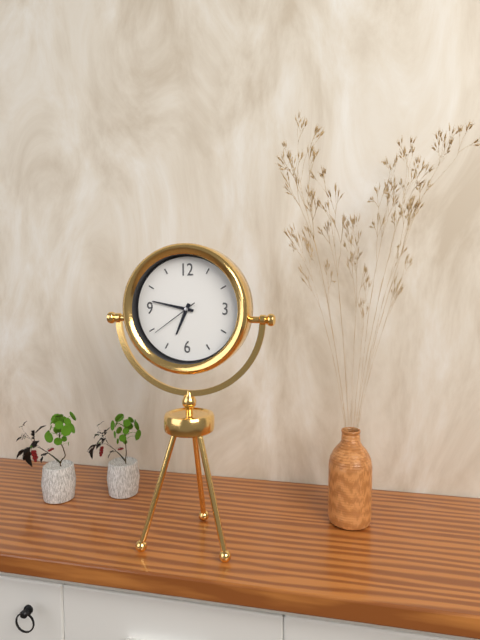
6.47
